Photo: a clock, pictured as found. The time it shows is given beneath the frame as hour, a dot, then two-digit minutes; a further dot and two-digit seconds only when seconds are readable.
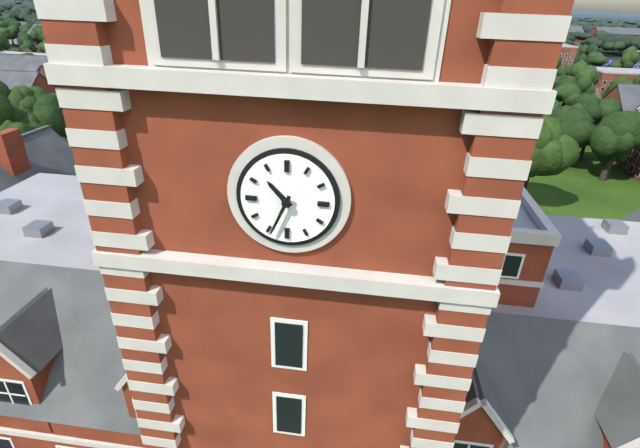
10.34
